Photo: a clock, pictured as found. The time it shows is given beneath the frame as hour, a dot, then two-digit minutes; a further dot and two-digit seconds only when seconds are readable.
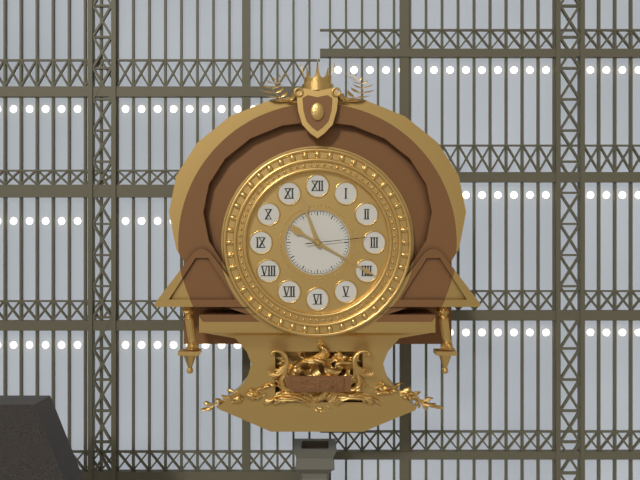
11.20.14
